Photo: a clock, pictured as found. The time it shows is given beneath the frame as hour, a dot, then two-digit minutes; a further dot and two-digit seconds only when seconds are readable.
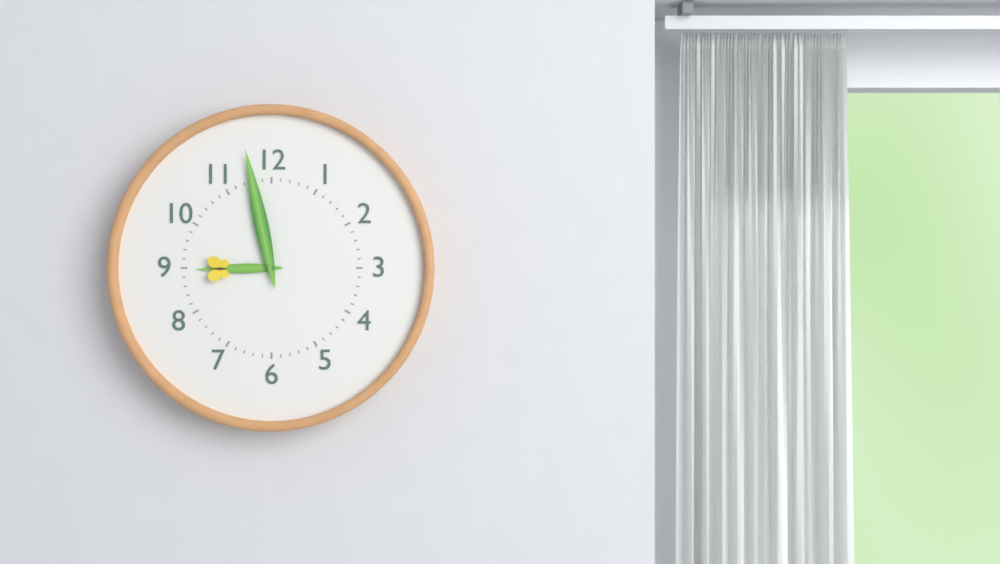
8.58
